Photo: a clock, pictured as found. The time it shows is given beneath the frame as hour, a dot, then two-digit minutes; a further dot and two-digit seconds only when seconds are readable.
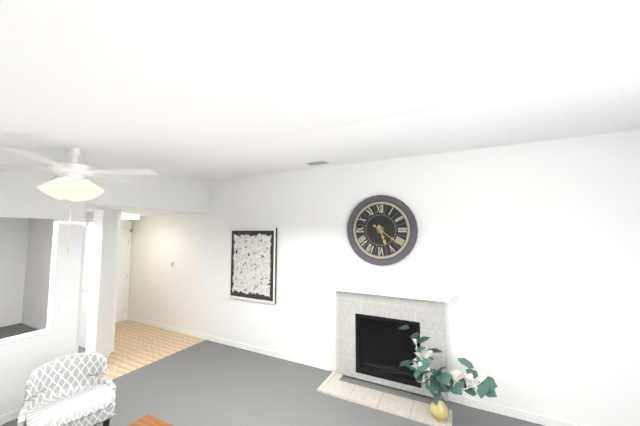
5.21
